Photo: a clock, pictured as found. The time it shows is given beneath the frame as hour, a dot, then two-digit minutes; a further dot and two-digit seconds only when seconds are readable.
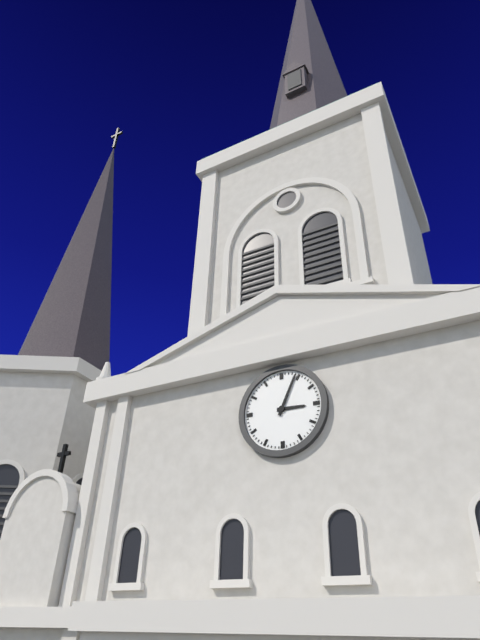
3.04
